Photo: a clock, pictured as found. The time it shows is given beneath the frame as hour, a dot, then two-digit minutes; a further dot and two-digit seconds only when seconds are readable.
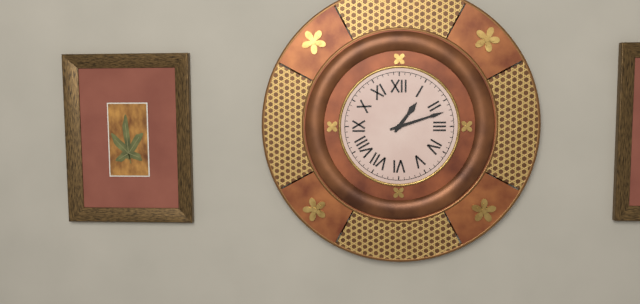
1.12
